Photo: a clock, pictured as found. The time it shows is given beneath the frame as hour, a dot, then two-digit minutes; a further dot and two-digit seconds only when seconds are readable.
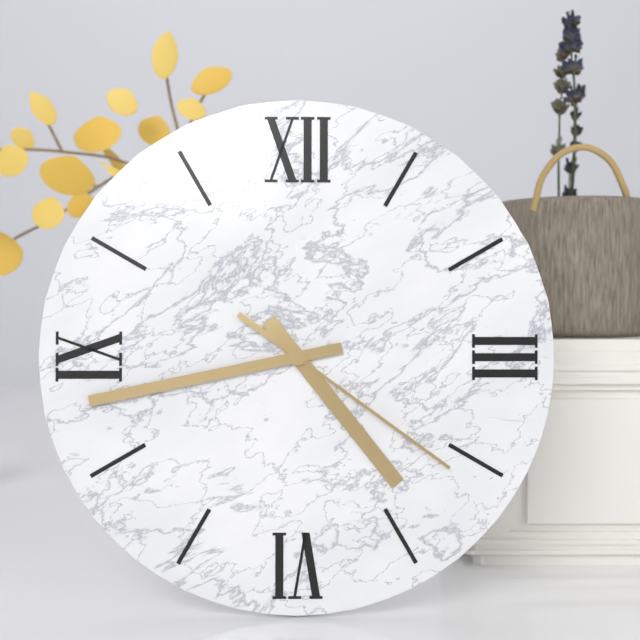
4.43.21
